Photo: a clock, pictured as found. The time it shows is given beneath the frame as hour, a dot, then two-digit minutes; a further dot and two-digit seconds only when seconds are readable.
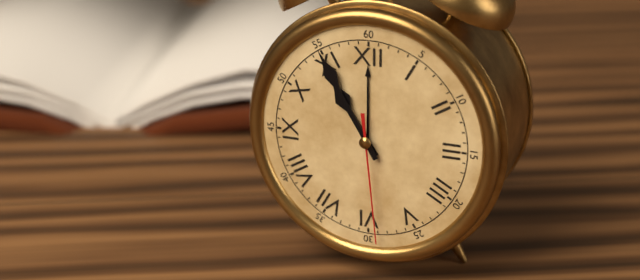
10.55.29
